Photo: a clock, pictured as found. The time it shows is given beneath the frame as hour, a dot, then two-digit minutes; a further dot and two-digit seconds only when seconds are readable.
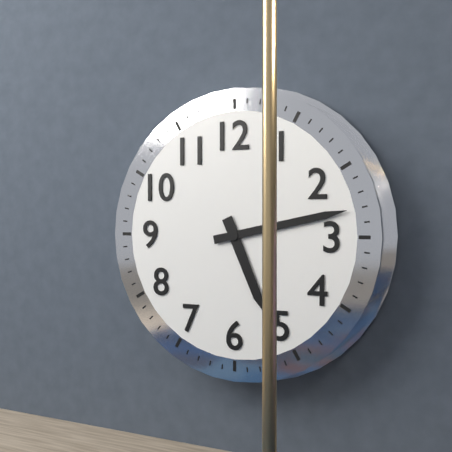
5.13
